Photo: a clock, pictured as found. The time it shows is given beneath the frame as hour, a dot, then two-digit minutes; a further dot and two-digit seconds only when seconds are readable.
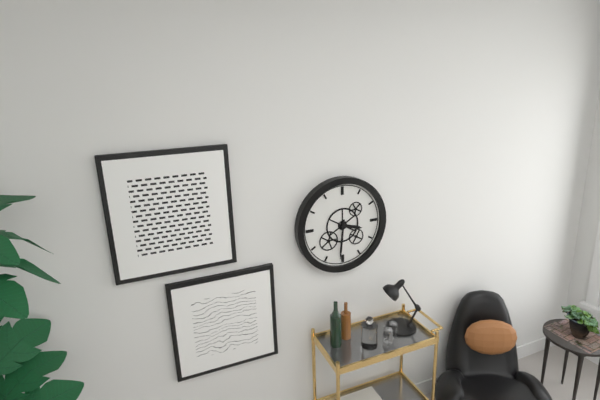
3.31
